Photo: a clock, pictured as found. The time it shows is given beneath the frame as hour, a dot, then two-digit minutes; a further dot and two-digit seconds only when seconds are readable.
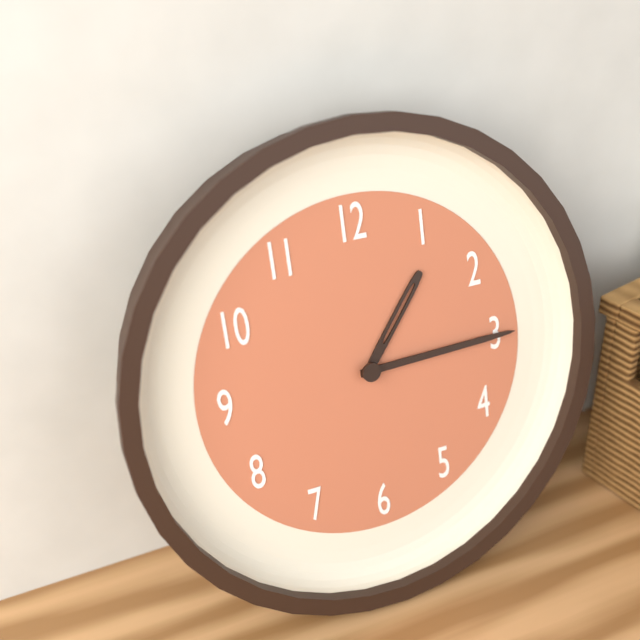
1.15
